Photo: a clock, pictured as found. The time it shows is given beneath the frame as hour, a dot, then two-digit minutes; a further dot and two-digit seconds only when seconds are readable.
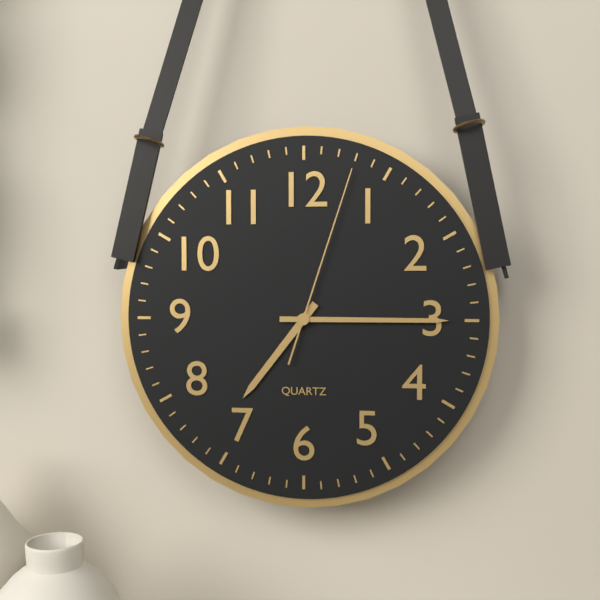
7.15.03
